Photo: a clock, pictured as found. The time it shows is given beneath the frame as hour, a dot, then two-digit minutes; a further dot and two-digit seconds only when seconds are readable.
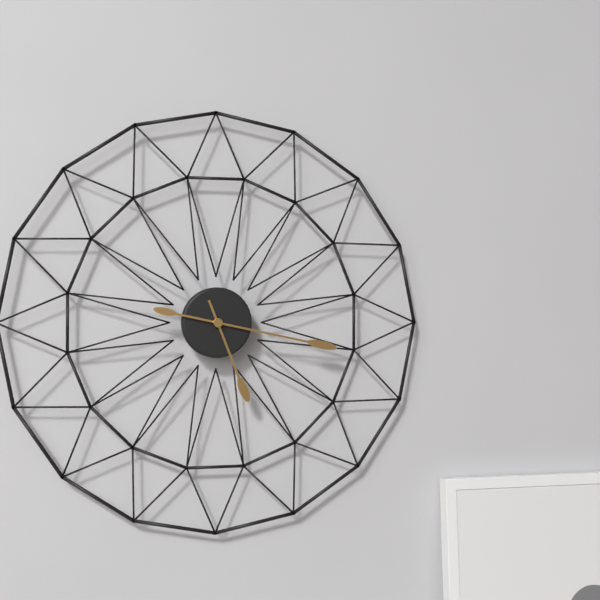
5.17
